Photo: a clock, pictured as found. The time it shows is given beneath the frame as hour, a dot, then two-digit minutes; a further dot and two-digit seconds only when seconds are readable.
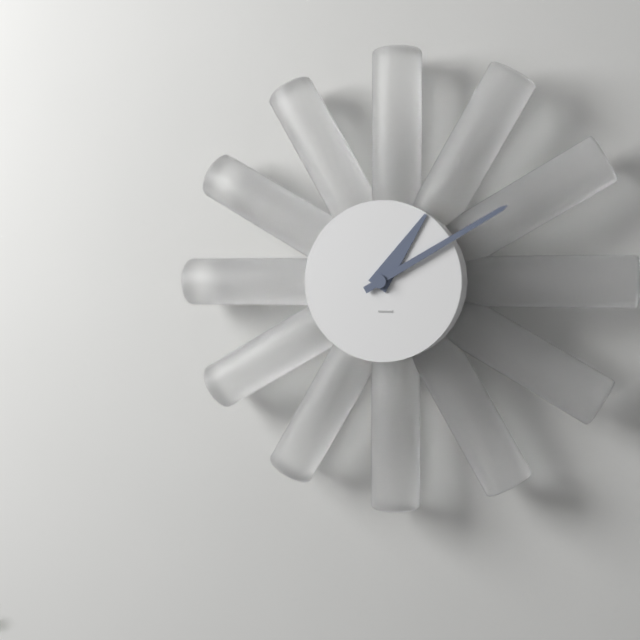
1.10
